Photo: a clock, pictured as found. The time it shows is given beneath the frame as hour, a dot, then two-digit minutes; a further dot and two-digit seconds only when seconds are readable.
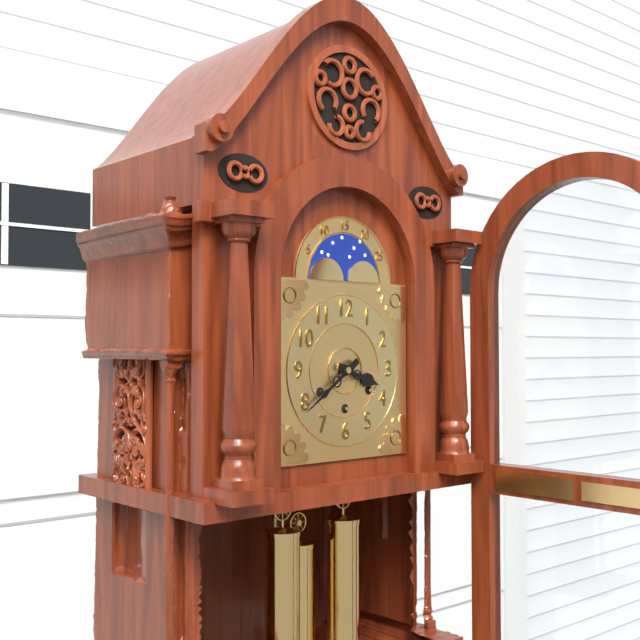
3.39
